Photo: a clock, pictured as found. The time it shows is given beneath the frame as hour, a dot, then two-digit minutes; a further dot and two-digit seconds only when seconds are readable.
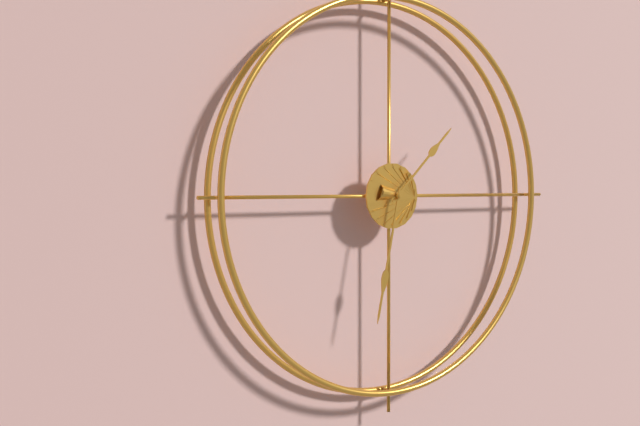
1.32
